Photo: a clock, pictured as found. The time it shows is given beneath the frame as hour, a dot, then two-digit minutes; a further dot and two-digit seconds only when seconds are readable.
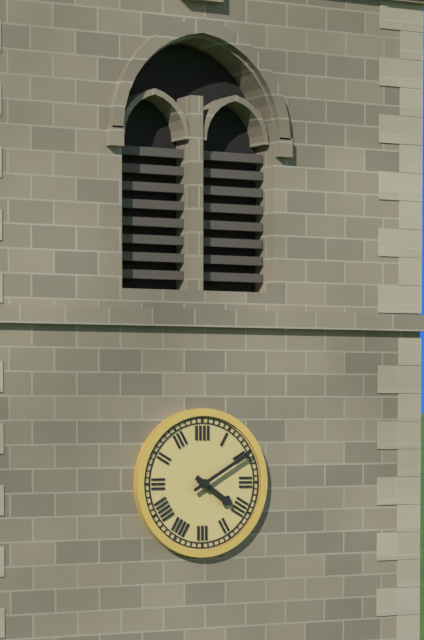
4.10
